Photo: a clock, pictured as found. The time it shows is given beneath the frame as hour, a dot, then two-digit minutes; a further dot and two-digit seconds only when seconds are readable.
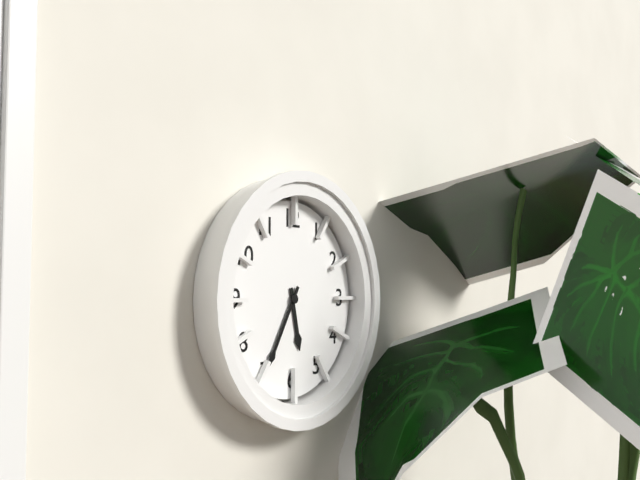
5.35
